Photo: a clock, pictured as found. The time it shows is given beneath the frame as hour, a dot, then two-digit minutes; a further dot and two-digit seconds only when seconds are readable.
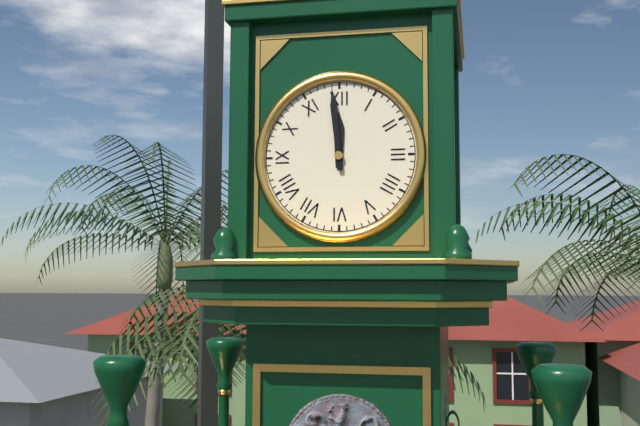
11.59
